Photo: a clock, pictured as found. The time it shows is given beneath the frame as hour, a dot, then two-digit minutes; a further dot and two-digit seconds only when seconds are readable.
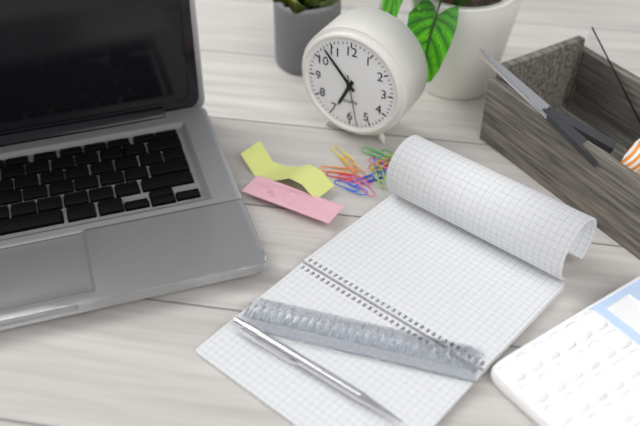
6.53.28
